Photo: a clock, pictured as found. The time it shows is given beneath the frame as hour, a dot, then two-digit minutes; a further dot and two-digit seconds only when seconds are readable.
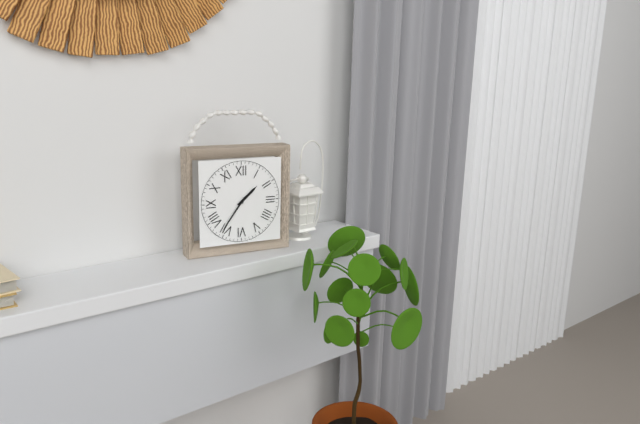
1.36
